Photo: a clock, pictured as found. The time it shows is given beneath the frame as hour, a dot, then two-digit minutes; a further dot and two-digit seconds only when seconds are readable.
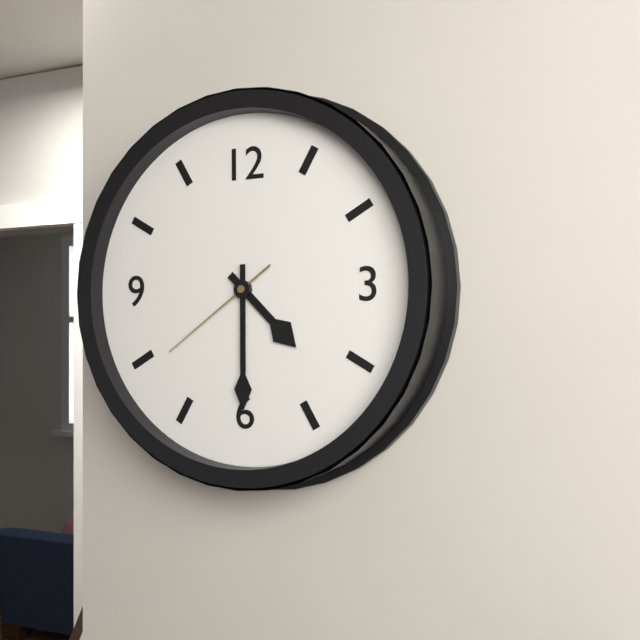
4.30.39
